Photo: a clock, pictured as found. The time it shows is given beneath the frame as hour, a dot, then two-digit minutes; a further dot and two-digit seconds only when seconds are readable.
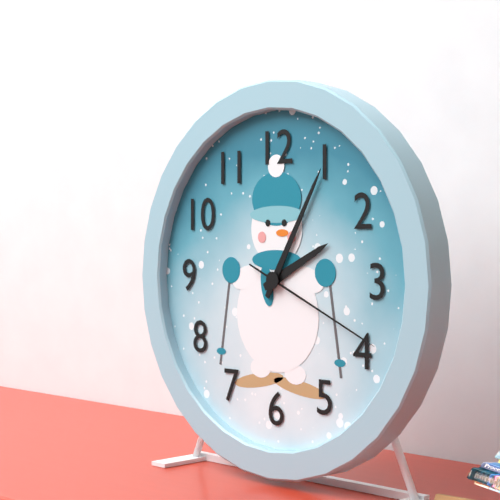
2.05.19
